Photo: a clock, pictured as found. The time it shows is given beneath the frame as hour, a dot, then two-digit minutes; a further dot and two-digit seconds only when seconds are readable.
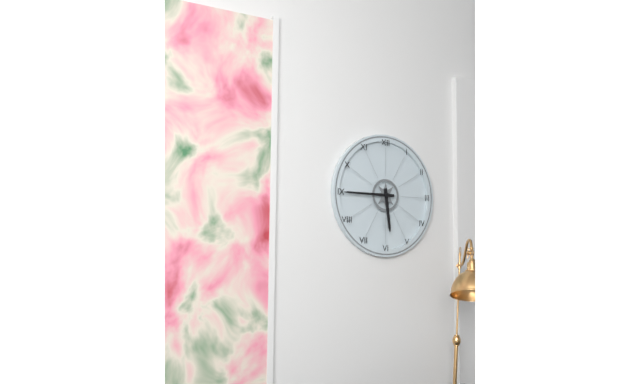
5.45
